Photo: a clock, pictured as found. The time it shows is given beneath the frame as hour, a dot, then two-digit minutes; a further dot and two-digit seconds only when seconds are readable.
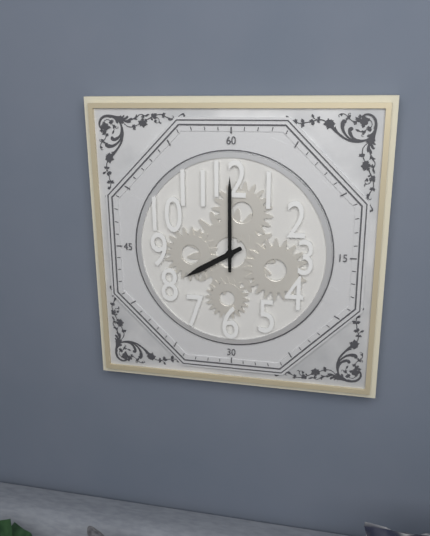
8.00
